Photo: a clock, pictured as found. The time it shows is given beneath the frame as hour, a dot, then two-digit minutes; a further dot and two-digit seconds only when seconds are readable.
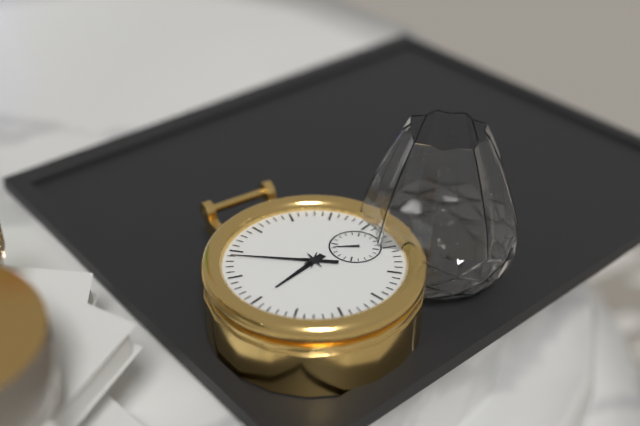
9.59
